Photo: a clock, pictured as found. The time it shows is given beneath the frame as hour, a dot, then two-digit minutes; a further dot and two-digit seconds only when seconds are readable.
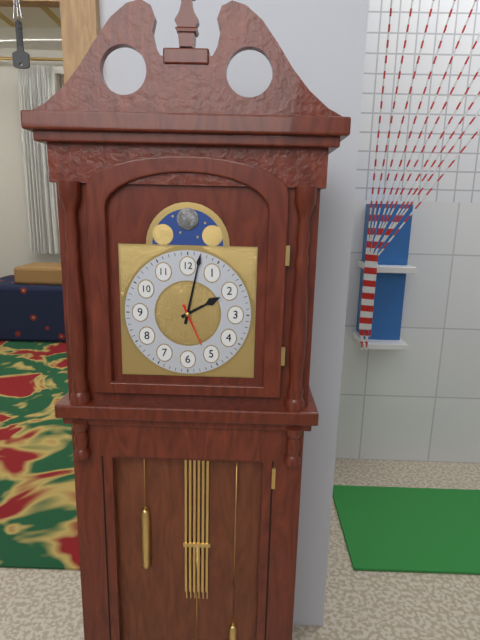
2.02
